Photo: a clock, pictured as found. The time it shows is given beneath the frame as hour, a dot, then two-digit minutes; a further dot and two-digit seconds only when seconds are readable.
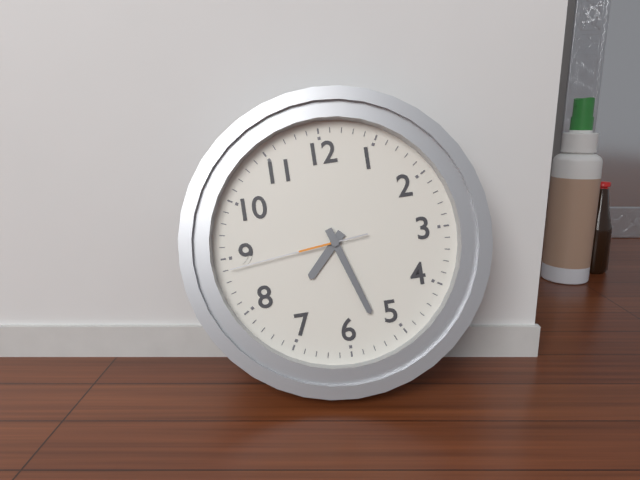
7.27.44
